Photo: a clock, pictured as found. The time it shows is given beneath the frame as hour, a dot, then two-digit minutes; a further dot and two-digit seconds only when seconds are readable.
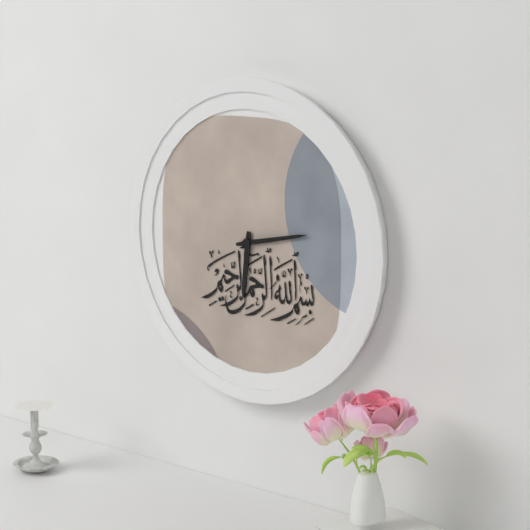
6.13
